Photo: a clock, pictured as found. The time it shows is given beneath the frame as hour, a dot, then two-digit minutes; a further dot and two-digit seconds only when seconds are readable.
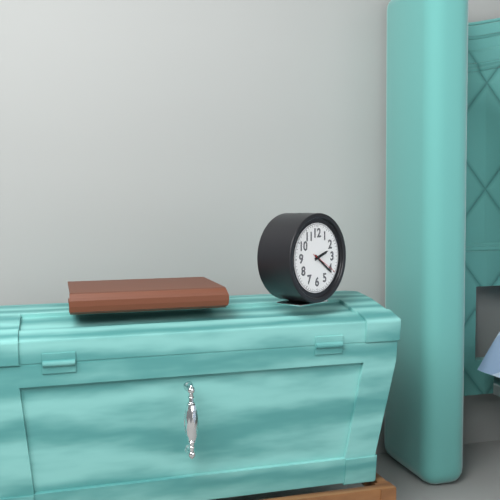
2.21
